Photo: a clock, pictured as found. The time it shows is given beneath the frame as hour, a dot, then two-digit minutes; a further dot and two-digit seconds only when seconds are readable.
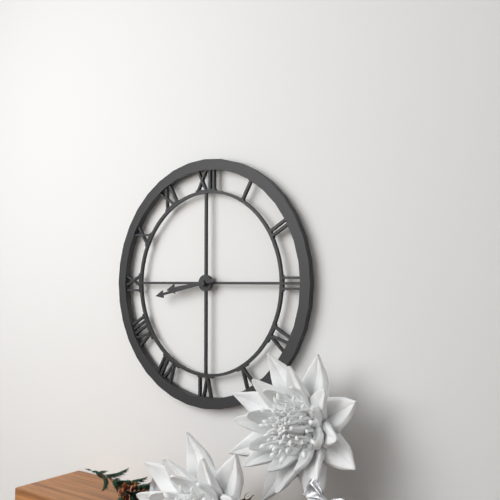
8.43
